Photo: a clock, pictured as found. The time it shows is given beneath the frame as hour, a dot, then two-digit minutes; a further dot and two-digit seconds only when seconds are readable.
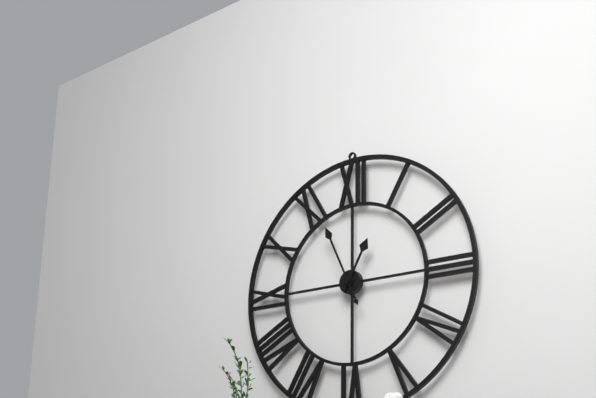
12.56
